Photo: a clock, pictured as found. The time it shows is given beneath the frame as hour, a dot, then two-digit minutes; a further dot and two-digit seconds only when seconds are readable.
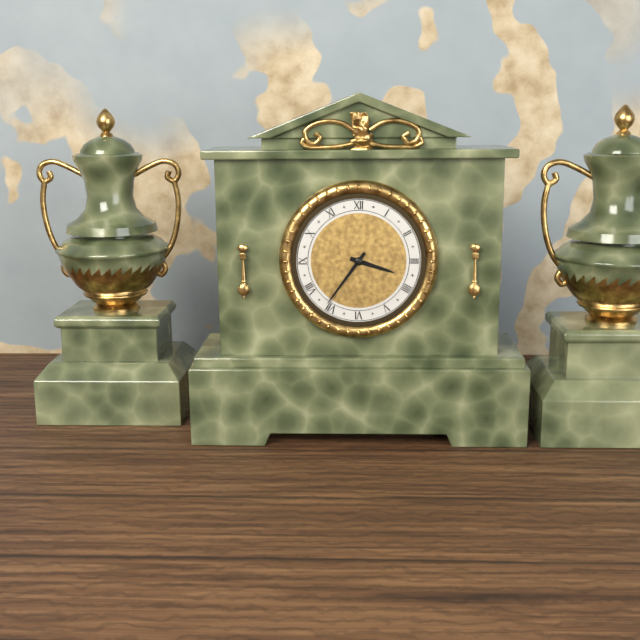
3.36
